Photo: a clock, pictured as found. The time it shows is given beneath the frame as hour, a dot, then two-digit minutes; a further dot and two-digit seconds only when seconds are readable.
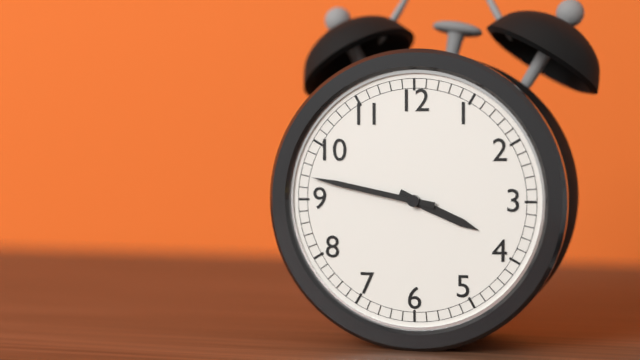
3.47
